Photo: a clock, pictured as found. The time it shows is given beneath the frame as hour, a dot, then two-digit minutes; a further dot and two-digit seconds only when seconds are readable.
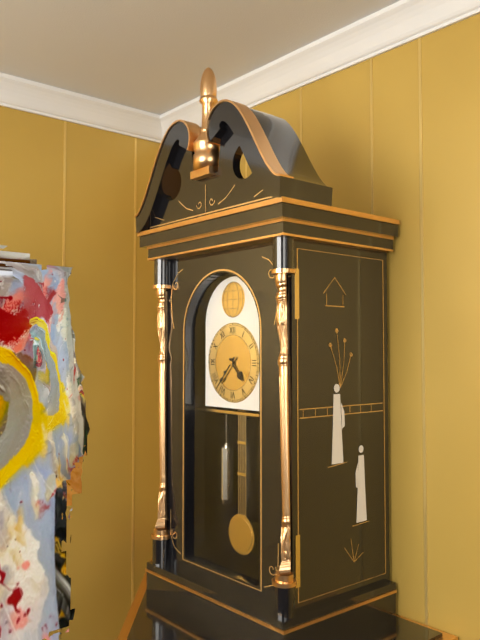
4.37
